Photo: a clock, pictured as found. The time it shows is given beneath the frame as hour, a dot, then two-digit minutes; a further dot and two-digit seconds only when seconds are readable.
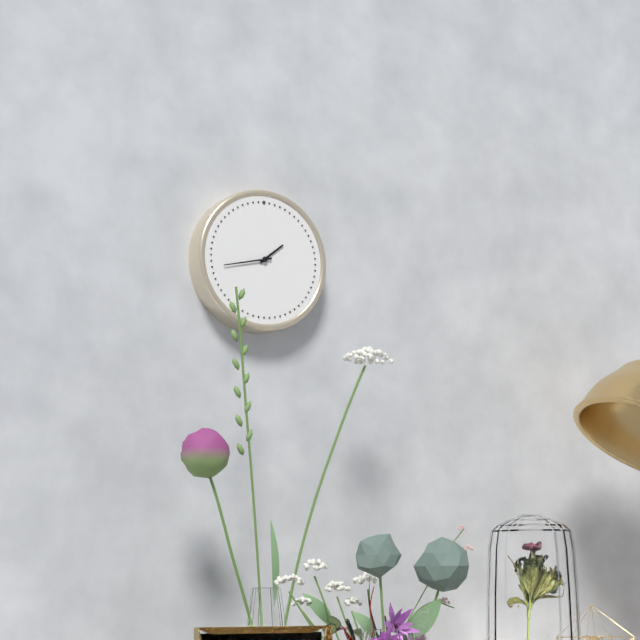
1.43
